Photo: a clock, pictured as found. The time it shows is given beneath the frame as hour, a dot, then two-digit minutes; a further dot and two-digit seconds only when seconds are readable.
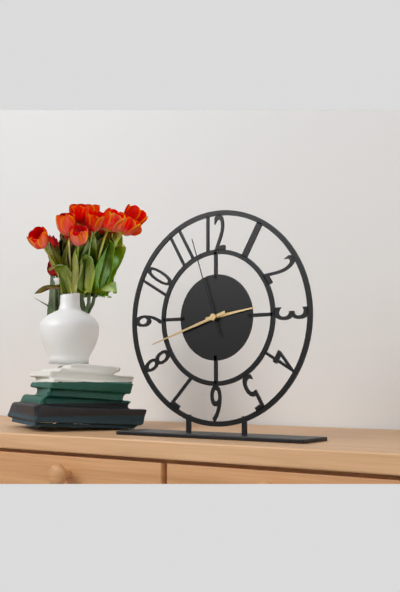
2.42.57
